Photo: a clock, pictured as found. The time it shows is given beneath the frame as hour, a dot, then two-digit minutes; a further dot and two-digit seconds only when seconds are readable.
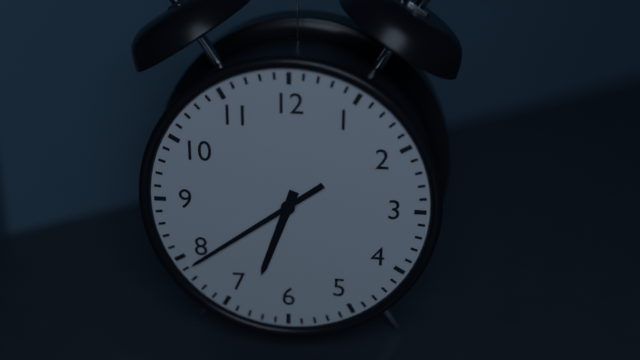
6.39
